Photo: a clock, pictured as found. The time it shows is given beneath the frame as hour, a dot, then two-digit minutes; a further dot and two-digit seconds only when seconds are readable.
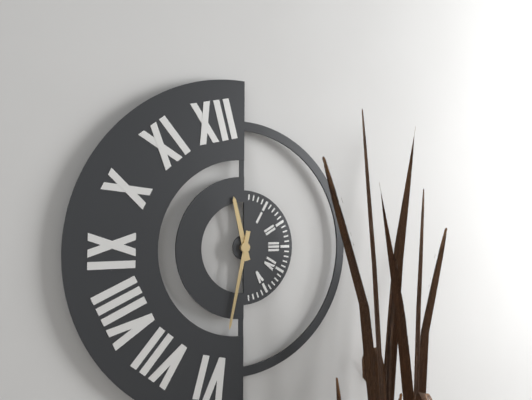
11.32
